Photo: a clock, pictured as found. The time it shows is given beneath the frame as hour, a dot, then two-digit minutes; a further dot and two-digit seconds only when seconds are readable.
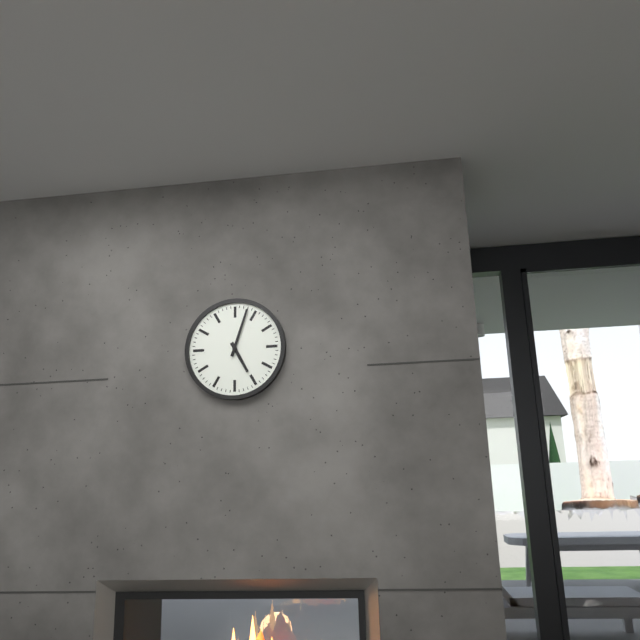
5.03
